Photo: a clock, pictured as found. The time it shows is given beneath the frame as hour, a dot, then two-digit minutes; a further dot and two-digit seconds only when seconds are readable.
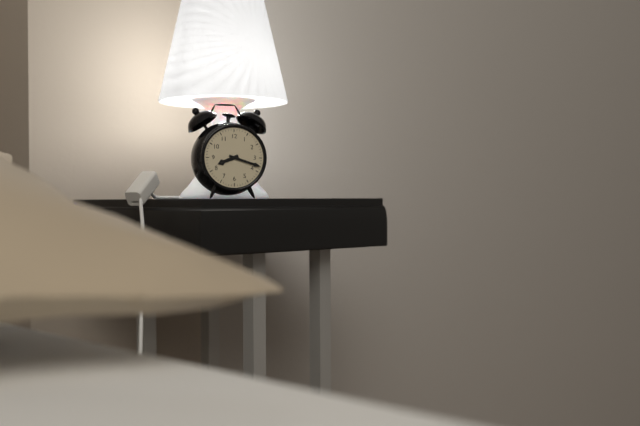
8.18
